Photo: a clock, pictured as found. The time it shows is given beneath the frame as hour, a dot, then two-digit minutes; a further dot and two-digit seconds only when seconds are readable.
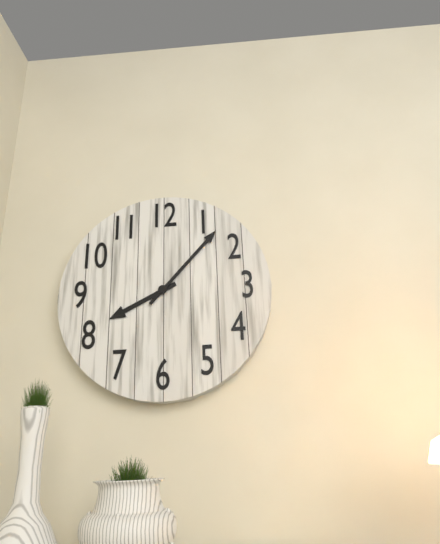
8.07
